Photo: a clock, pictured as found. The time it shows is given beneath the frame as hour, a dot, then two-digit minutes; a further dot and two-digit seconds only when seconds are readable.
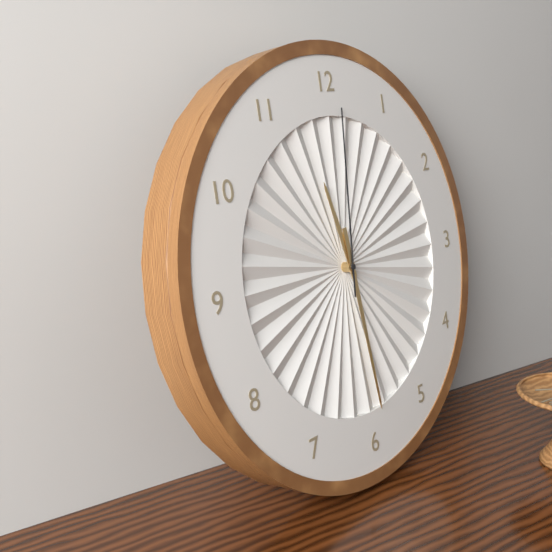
11.29.01
